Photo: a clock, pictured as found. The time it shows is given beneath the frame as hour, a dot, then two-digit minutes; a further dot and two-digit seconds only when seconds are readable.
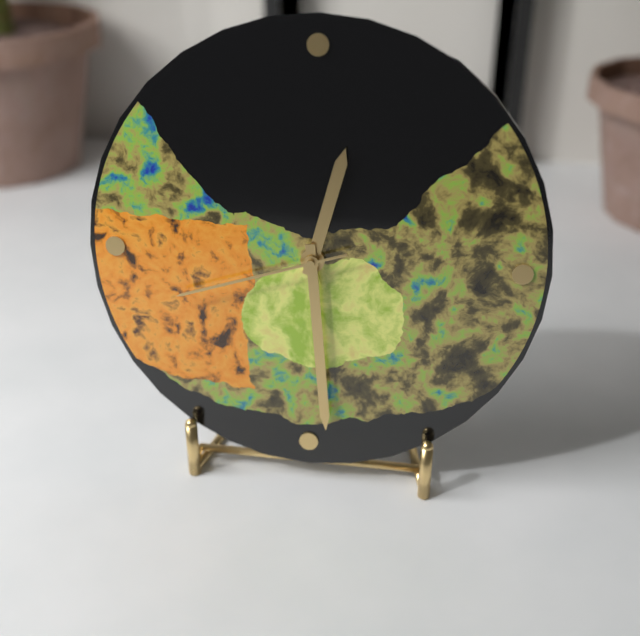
12.29.42
